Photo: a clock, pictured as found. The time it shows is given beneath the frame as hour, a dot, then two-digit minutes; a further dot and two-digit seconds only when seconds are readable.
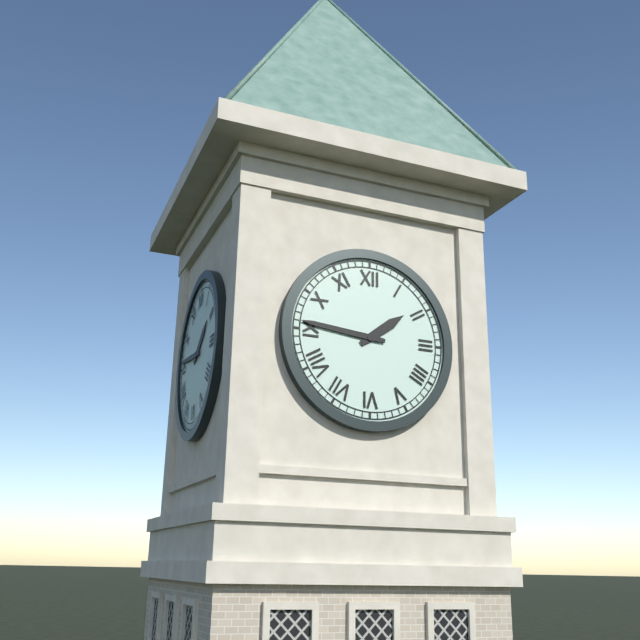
1.46
